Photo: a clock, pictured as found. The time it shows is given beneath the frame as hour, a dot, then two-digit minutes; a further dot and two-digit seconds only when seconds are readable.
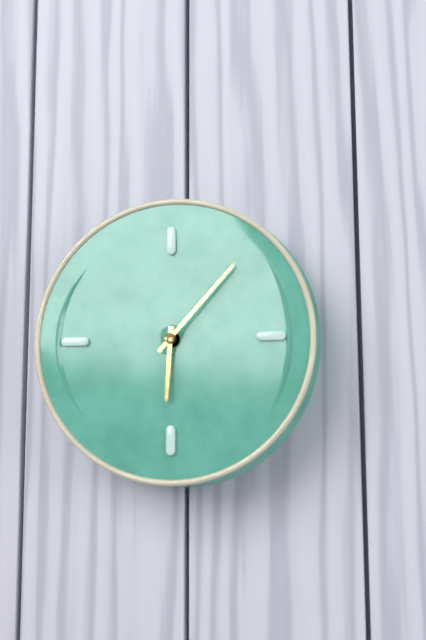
6.07
